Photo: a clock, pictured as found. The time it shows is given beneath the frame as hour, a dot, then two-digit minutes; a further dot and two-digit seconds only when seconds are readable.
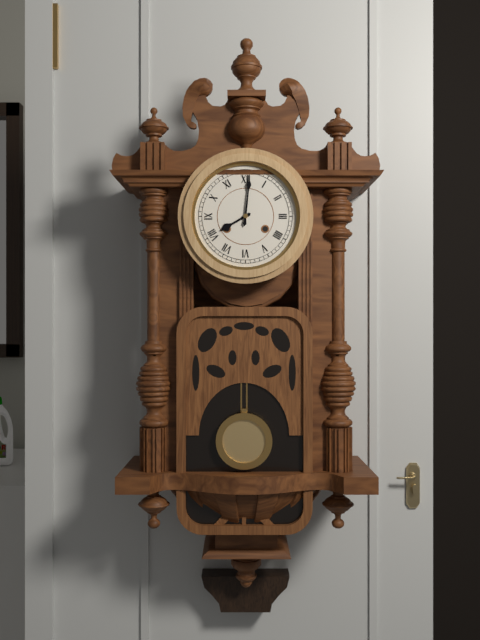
8.01
